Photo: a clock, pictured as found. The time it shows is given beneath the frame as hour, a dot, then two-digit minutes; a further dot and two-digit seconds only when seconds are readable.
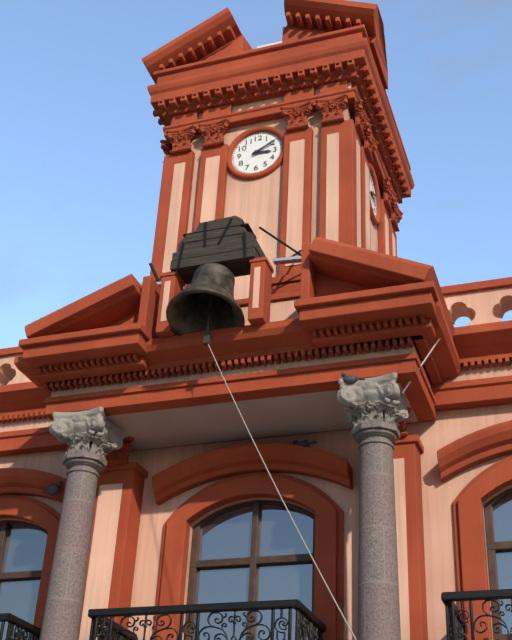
3.10
